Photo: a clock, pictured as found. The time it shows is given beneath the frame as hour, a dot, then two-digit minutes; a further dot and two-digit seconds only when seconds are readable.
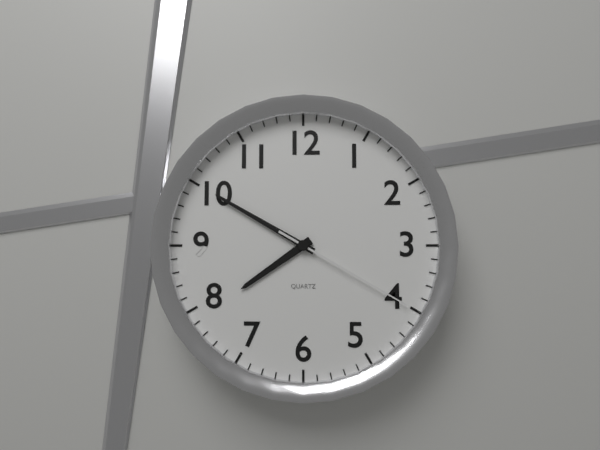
7.50.20
